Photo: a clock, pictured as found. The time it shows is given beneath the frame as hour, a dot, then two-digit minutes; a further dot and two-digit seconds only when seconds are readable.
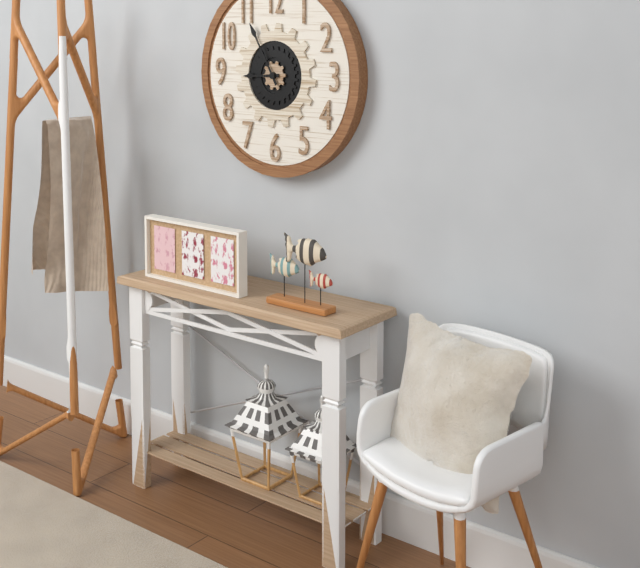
8.55
